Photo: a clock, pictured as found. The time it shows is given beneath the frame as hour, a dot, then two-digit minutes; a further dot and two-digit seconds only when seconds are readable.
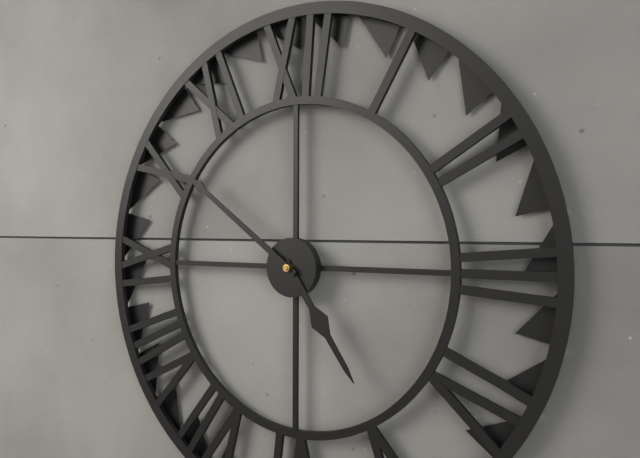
4.51
